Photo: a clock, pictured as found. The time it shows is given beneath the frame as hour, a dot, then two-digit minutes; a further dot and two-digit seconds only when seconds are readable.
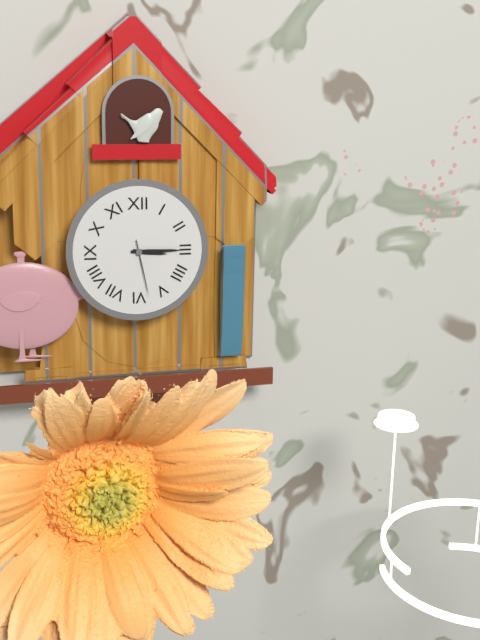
3.15.28
